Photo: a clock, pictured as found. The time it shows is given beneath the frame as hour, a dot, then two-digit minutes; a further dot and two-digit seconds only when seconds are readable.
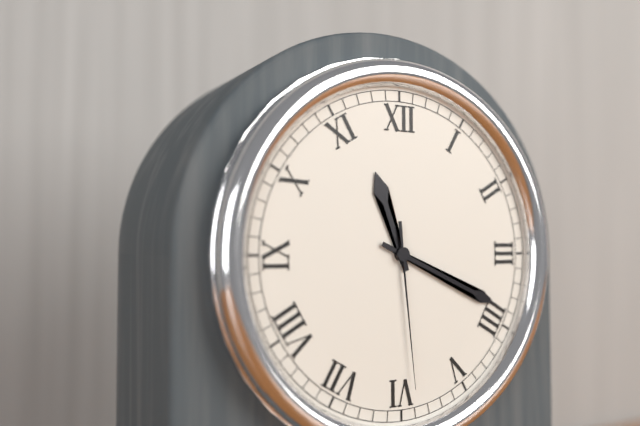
11.19.29
